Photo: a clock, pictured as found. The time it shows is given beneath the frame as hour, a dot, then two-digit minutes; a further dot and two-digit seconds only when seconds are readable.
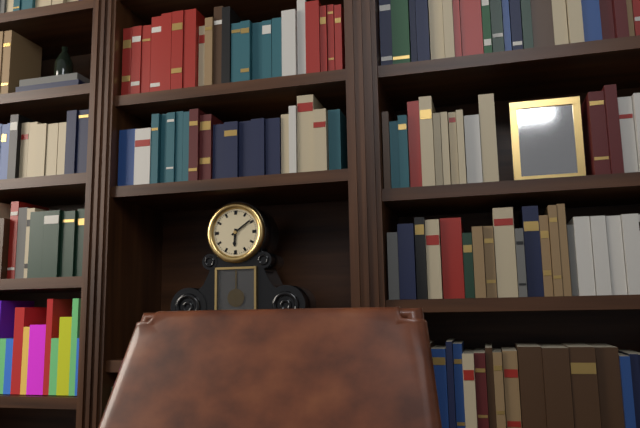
6.09
